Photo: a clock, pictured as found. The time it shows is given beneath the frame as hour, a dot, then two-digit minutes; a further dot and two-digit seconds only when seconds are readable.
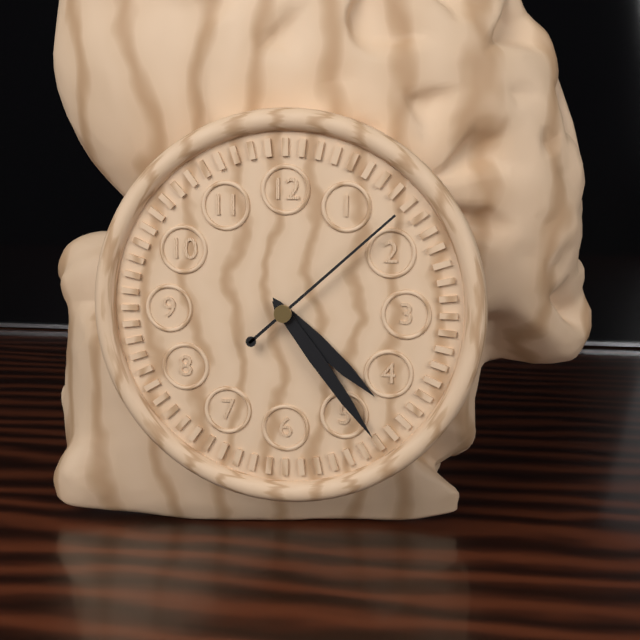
4.24.08
